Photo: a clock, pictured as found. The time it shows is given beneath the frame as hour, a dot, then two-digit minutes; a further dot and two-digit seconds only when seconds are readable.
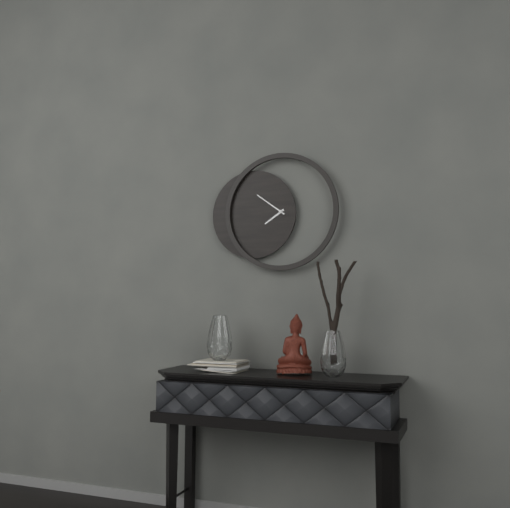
7.51
